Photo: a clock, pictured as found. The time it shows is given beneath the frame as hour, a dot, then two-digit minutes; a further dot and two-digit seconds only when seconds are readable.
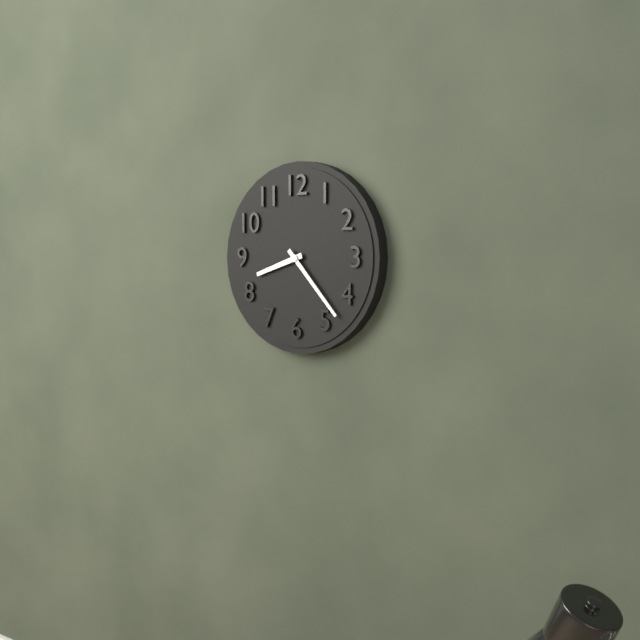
8.23
